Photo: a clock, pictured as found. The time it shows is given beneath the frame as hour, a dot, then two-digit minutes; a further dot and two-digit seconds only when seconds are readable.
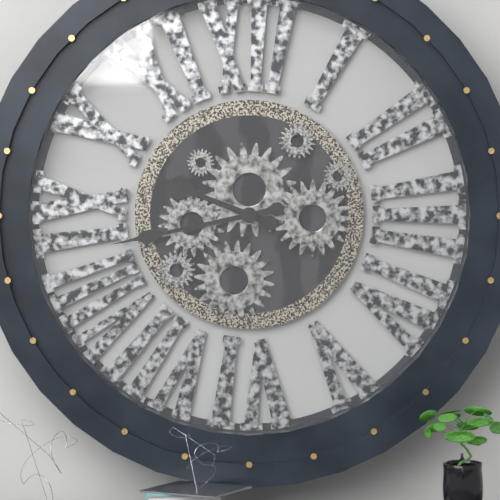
9.43
